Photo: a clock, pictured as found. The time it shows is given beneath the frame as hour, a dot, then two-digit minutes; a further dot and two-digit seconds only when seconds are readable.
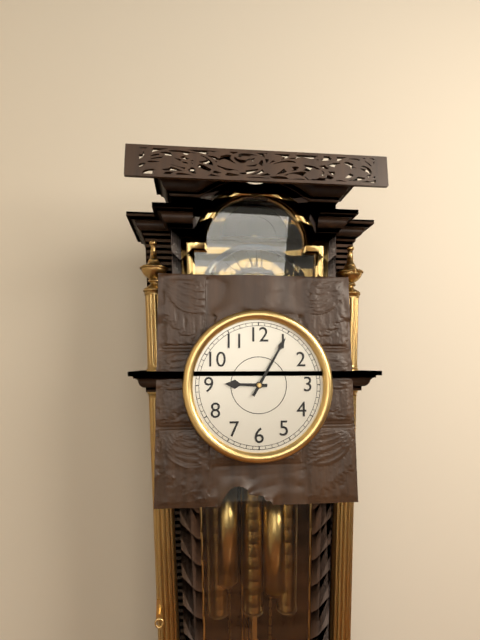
9.05
